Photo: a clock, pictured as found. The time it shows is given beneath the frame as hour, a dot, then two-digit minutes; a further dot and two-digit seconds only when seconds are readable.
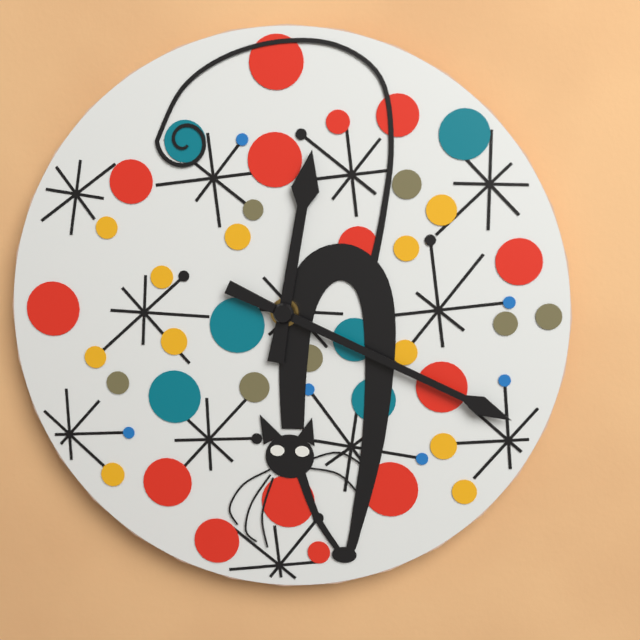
12.19
